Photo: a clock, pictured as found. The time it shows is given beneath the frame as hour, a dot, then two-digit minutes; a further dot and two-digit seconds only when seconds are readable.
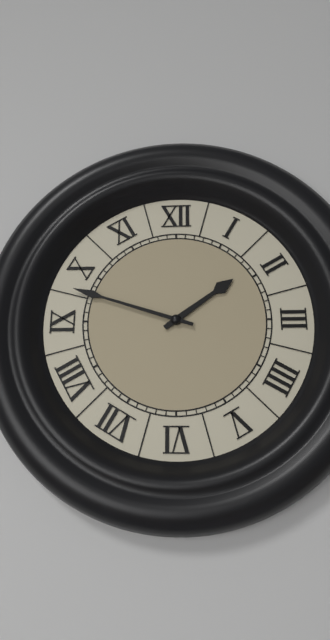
1.48
